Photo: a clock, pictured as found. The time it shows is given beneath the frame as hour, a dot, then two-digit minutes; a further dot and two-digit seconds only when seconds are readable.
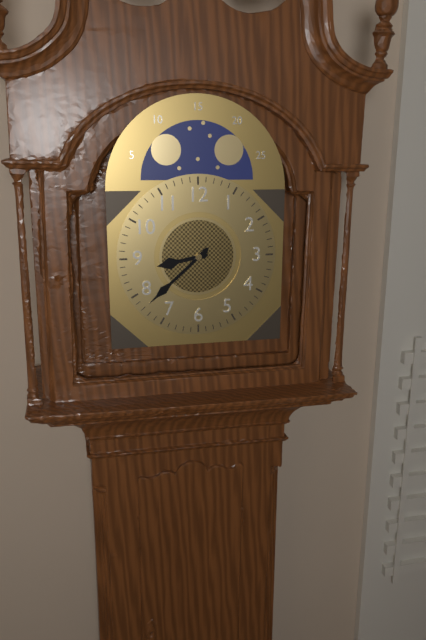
8.38
